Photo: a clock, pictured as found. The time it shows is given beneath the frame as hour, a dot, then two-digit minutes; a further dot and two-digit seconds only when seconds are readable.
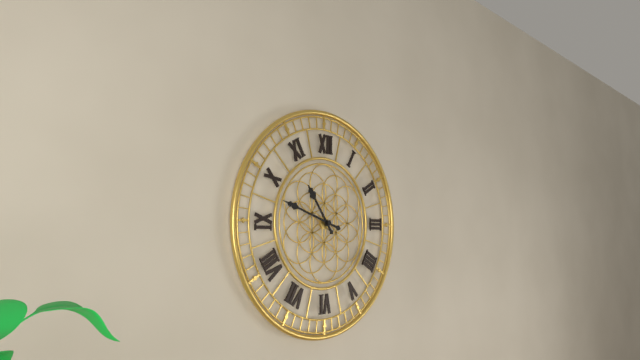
10.48
